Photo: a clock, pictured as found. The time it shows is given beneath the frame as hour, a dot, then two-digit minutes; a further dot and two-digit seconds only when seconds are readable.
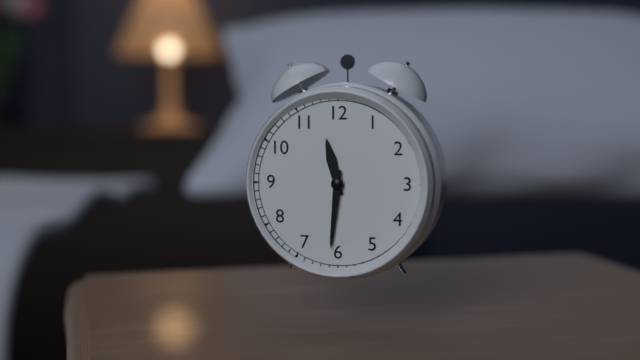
11.31
